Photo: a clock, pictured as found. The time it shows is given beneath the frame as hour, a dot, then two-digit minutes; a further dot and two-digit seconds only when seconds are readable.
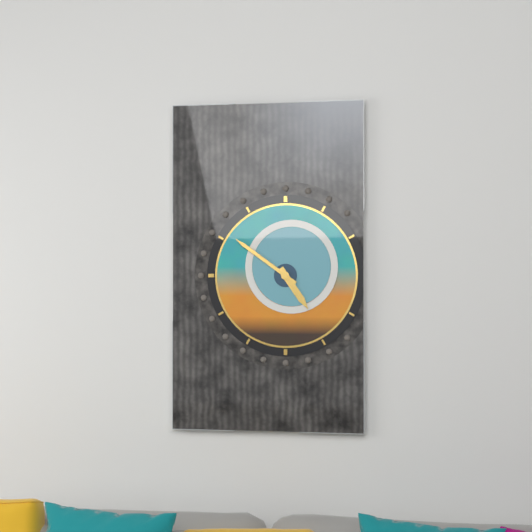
4.51
